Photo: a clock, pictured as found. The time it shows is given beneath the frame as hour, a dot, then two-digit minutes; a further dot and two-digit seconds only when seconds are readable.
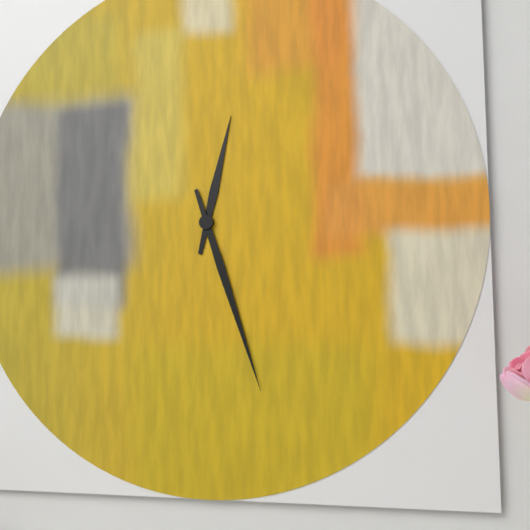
12.27
